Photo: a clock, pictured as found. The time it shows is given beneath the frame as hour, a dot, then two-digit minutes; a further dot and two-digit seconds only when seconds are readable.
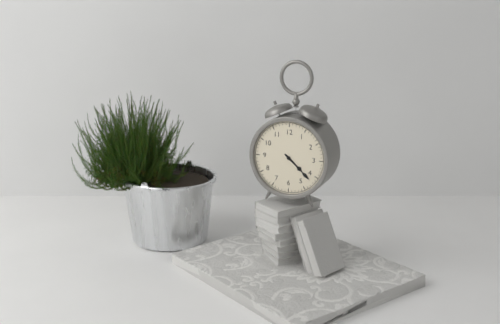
4.22
